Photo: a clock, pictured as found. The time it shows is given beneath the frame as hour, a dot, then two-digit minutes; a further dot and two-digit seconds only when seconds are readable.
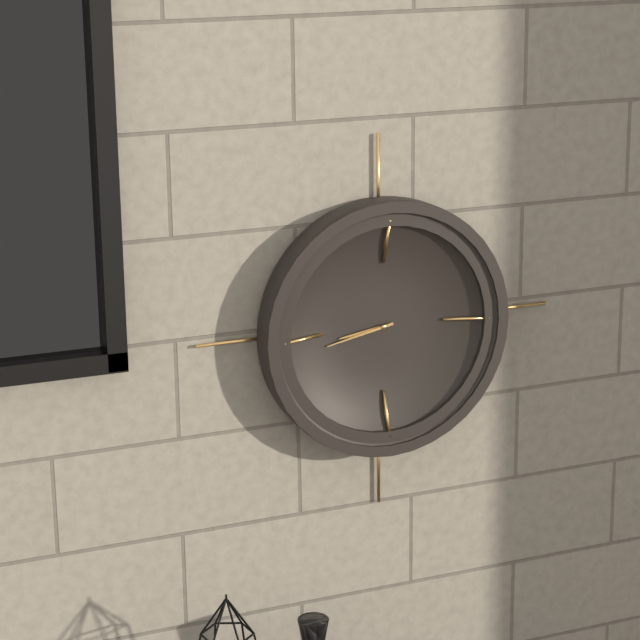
8.43
